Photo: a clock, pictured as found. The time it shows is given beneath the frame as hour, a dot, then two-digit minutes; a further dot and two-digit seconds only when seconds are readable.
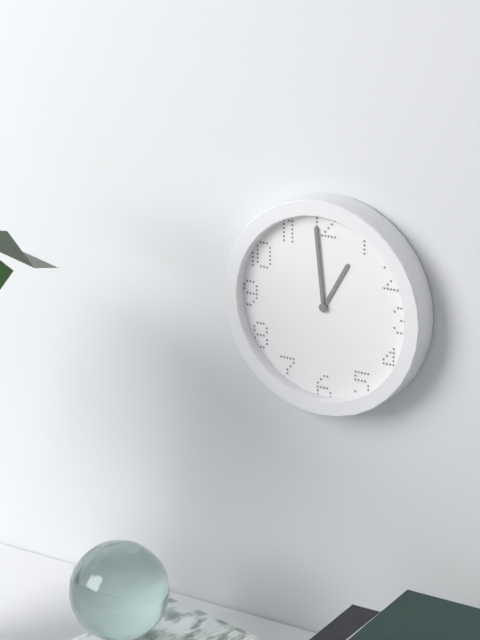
12.59
